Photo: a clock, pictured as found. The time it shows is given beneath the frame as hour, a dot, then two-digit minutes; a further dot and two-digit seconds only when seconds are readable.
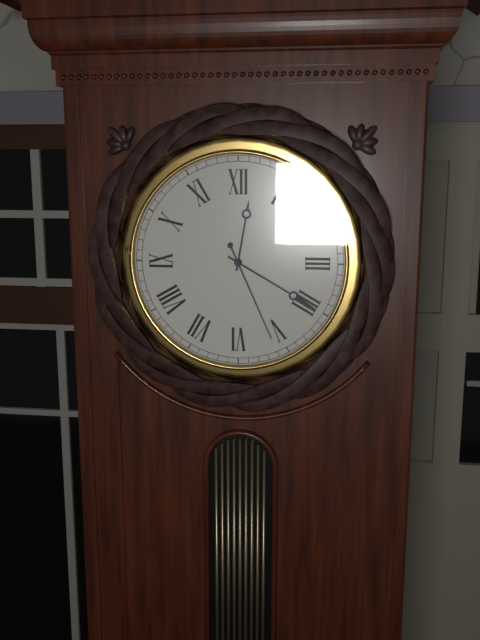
12.20.26
